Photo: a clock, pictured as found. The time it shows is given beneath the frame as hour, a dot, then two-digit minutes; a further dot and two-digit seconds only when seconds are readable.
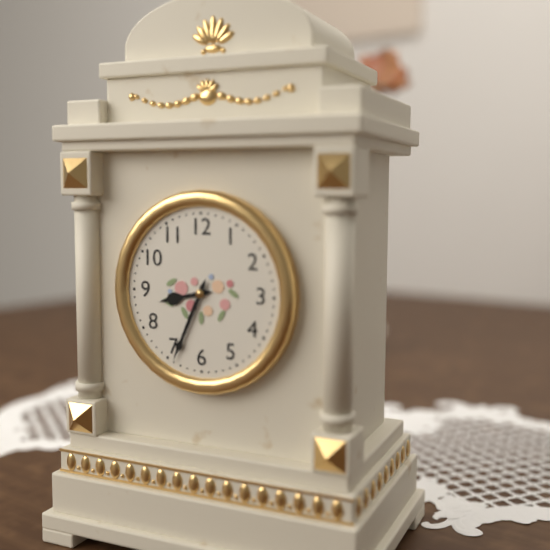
8.34
